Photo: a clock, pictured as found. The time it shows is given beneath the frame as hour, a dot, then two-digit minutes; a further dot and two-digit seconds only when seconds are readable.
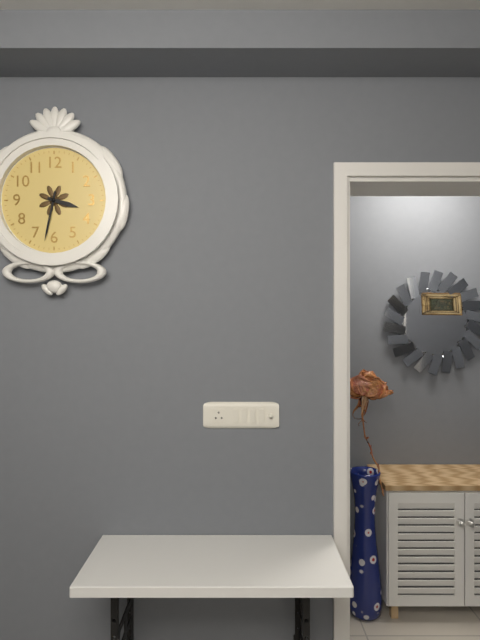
3.32
